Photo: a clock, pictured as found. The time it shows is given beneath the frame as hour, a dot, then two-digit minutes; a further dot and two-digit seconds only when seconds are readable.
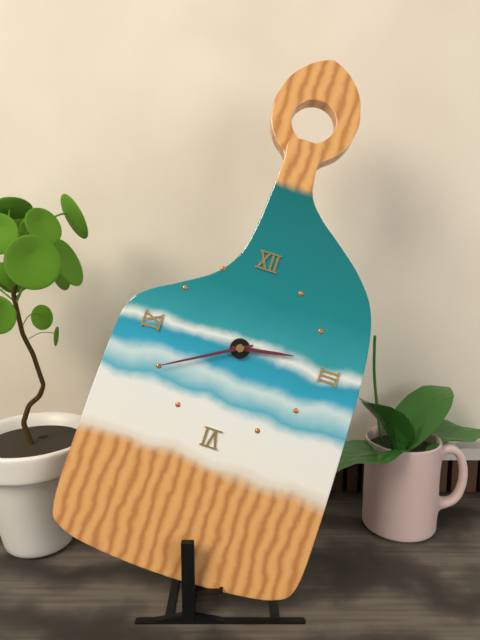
2.40
